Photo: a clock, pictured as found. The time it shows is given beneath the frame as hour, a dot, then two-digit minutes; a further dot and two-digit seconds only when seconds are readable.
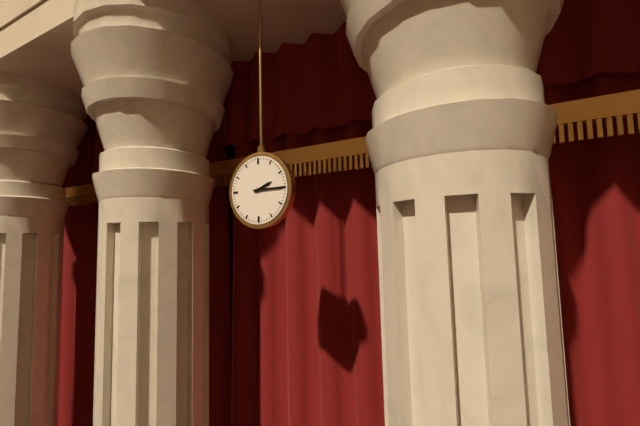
2.15
